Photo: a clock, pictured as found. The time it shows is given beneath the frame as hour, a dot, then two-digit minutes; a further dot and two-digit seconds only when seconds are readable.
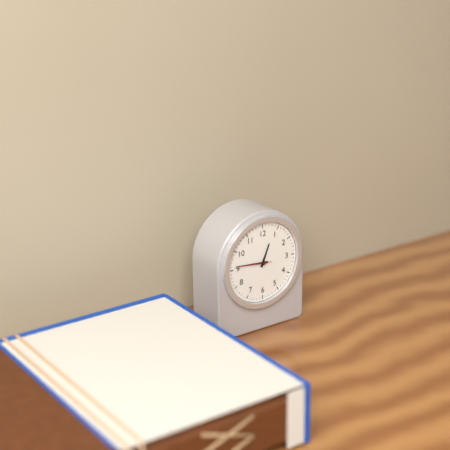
12.46
